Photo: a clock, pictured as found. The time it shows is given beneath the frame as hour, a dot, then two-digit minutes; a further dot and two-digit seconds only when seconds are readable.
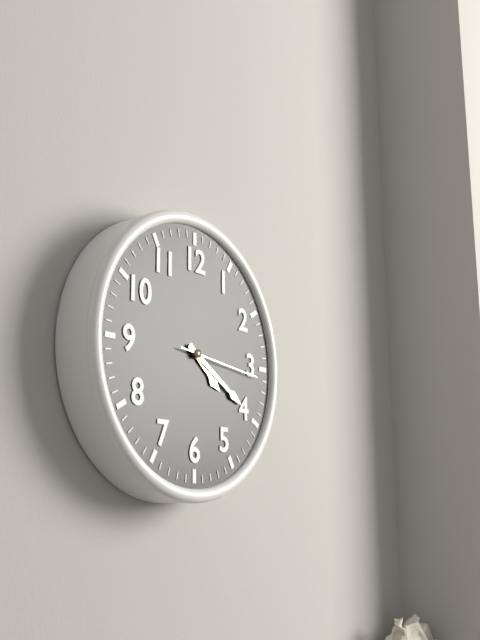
4.20.16
